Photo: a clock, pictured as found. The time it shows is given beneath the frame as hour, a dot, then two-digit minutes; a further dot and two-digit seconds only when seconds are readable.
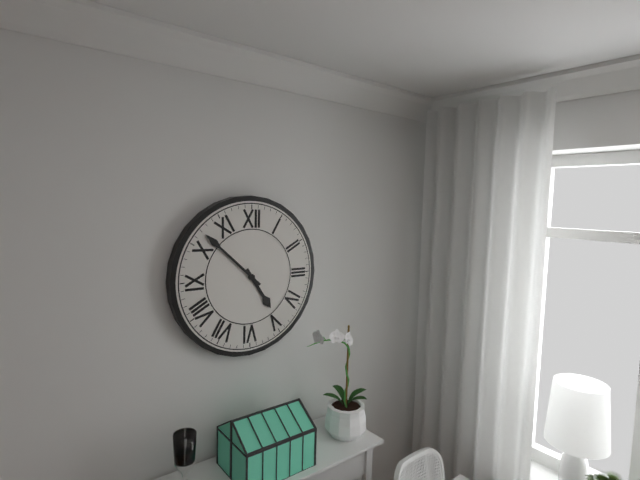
4.52
